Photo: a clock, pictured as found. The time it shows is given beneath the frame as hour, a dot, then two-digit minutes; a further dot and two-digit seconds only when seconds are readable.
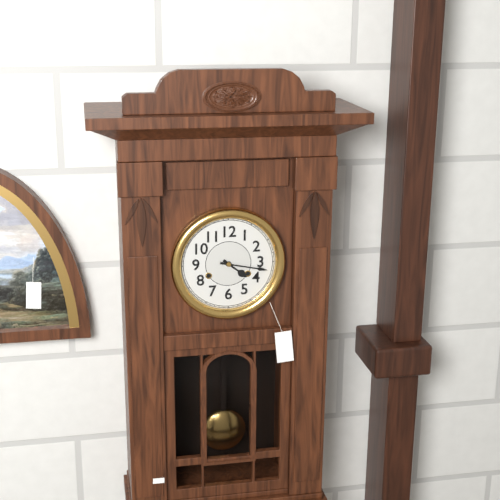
4.17
